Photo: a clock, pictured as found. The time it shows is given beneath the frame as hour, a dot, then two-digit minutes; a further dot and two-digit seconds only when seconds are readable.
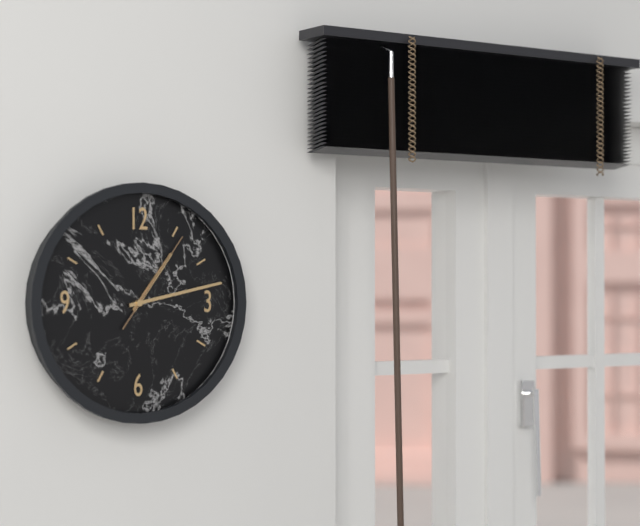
1.13.06
